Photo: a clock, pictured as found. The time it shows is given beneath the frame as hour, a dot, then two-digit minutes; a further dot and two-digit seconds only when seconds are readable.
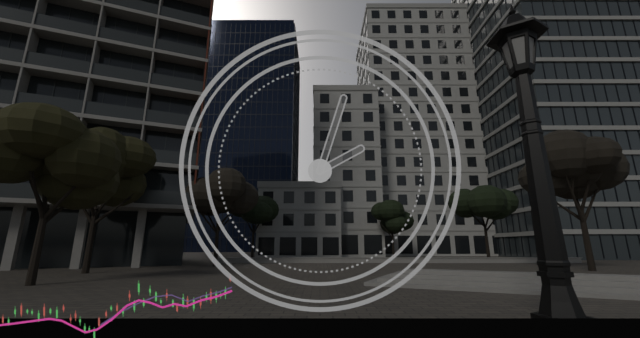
2.03
